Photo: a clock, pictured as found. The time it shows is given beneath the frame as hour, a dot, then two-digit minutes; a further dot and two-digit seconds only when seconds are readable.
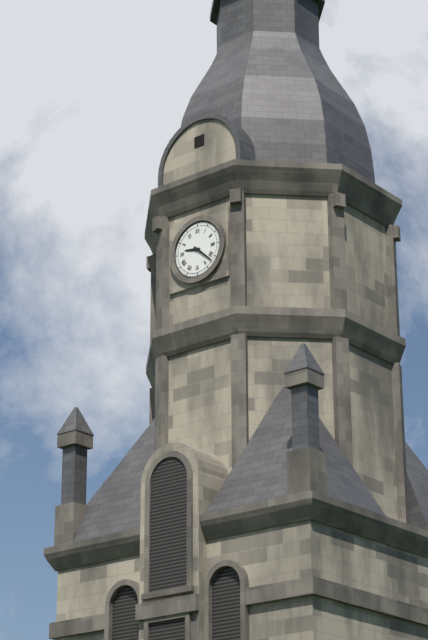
9.22
